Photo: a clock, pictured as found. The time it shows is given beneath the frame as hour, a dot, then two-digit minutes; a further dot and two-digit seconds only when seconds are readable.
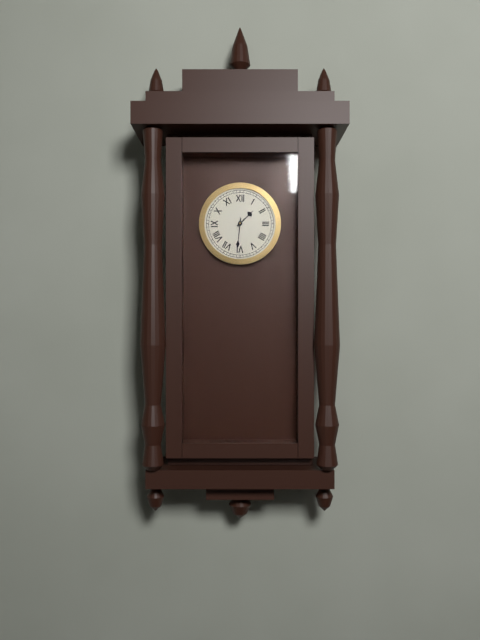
1.31
